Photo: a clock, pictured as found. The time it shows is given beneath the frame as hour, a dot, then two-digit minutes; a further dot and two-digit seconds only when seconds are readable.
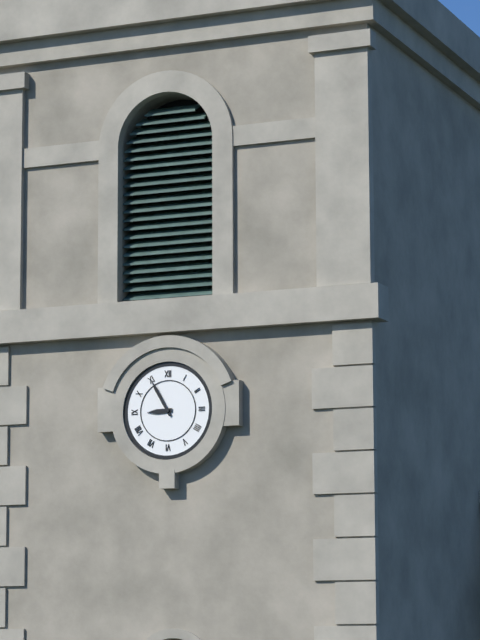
8.55
